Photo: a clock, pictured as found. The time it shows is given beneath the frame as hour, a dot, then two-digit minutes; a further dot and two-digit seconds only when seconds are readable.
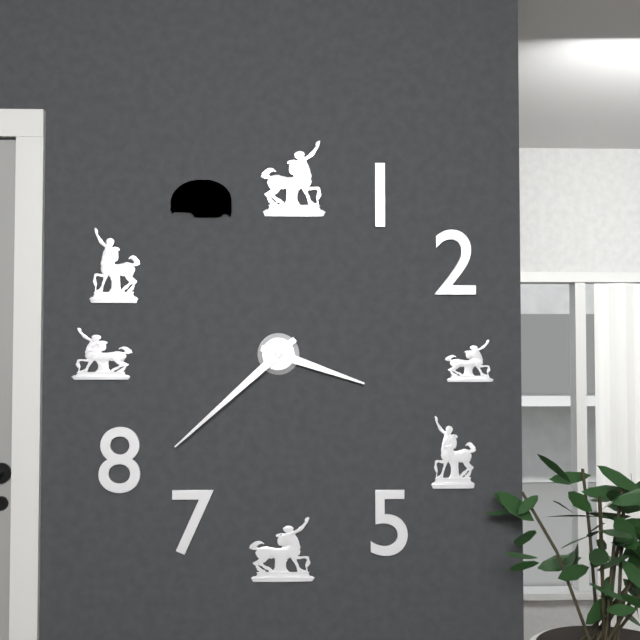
3.38
